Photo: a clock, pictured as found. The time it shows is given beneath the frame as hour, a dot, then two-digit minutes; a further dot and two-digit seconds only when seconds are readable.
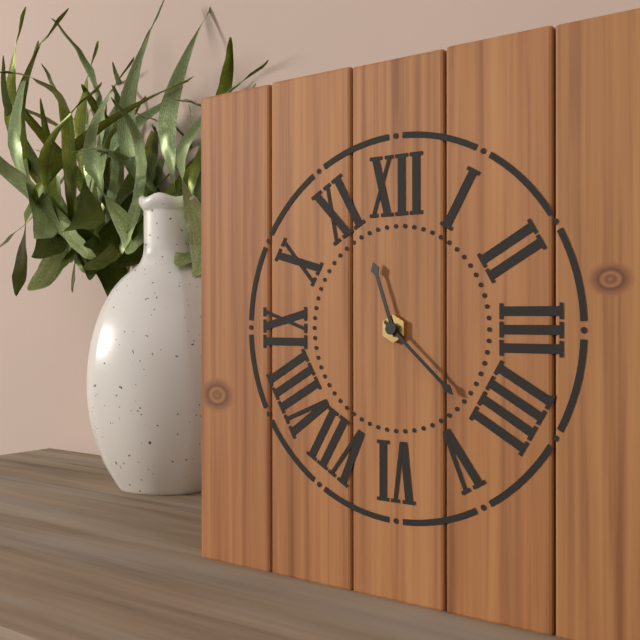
11.22
